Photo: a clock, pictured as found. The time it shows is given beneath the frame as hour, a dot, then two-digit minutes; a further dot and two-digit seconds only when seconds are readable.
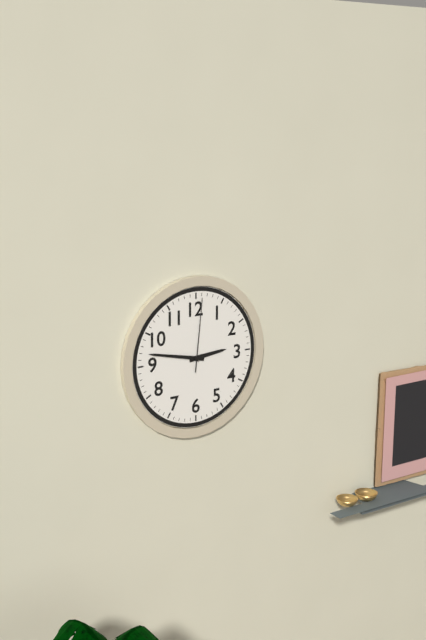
2.47.01
